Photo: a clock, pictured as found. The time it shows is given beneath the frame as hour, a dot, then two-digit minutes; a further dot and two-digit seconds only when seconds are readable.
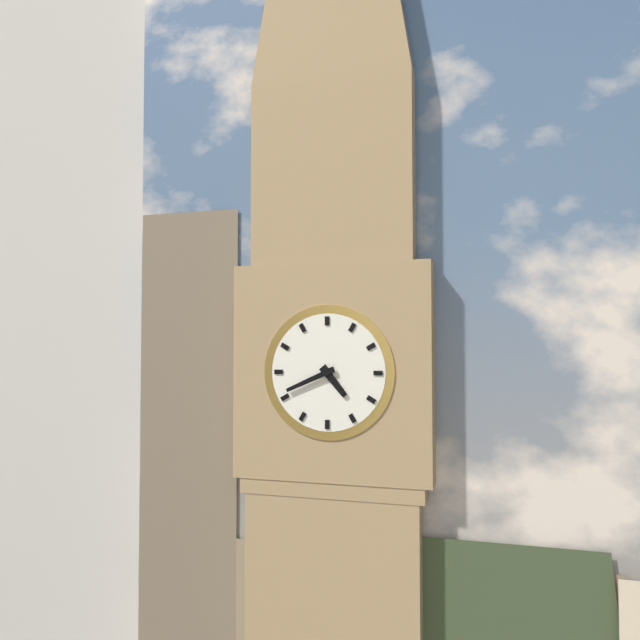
4.41
